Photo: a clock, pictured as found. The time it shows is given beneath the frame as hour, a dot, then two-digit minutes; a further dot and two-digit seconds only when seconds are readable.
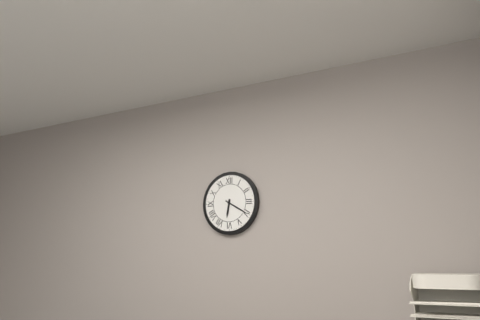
6.20
